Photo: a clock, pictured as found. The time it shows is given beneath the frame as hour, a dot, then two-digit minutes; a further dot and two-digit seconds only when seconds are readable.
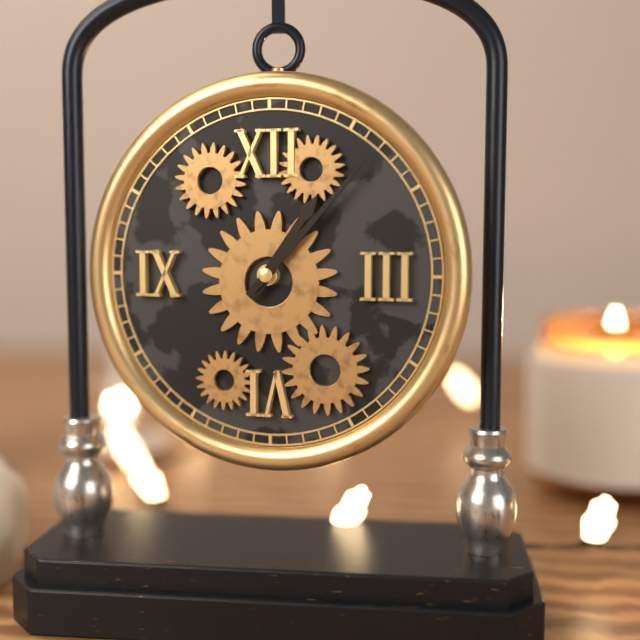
1.07
